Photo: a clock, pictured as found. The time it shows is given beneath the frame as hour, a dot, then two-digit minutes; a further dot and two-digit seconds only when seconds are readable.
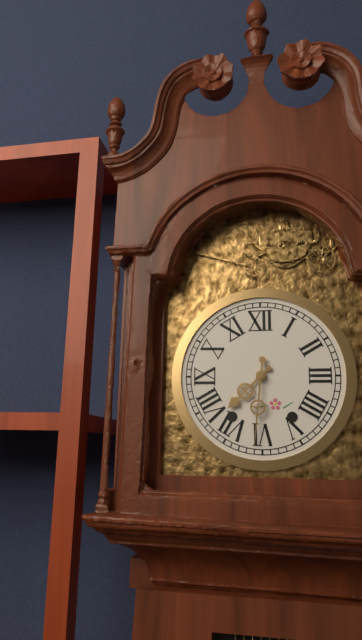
7.31
